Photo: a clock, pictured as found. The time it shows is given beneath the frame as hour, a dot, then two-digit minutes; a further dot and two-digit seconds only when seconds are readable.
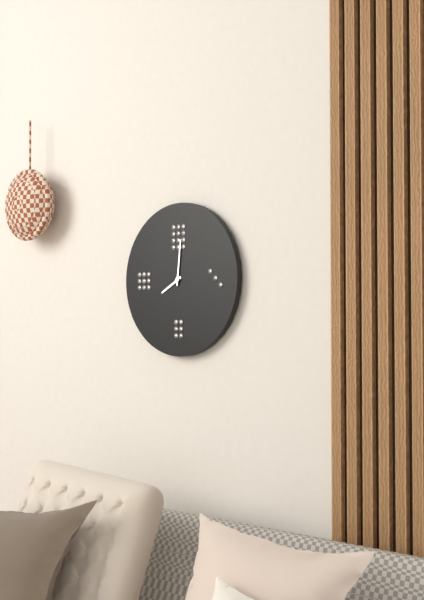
8.01
